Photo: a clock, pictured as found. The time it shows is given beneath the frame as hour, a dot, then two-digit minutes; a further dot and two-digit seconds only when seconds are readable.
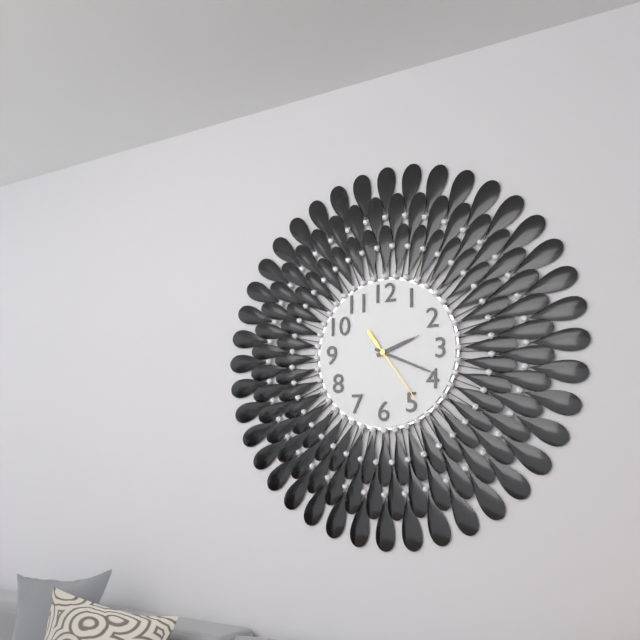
2.19.24
